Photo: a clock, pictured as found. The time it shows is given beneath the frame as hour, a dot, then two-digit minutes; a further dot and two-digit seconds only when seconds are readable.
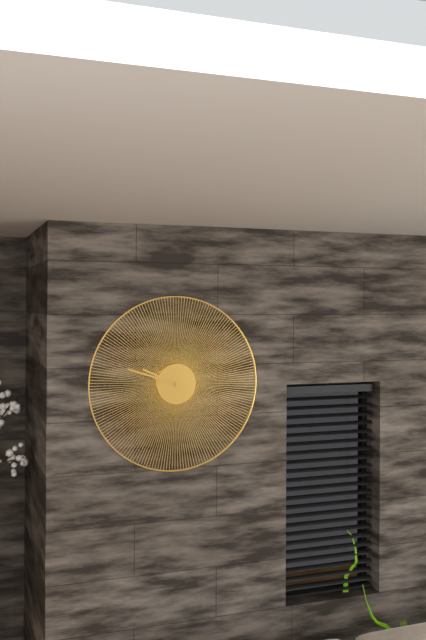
9.48
